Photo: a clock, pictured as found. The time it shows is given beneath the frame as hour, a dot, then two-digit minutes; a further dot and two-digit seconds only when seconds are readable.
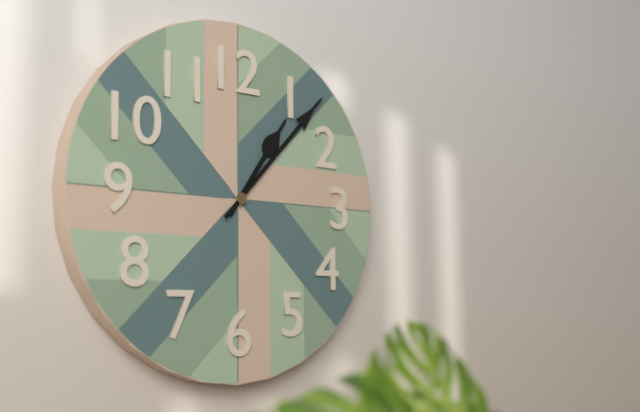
1.07
